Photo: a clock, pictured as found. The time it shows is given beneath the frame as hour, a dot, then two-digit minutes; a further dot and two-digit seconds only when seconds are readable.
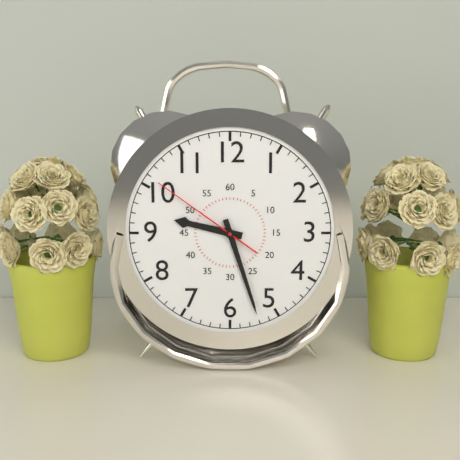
9.27.51
